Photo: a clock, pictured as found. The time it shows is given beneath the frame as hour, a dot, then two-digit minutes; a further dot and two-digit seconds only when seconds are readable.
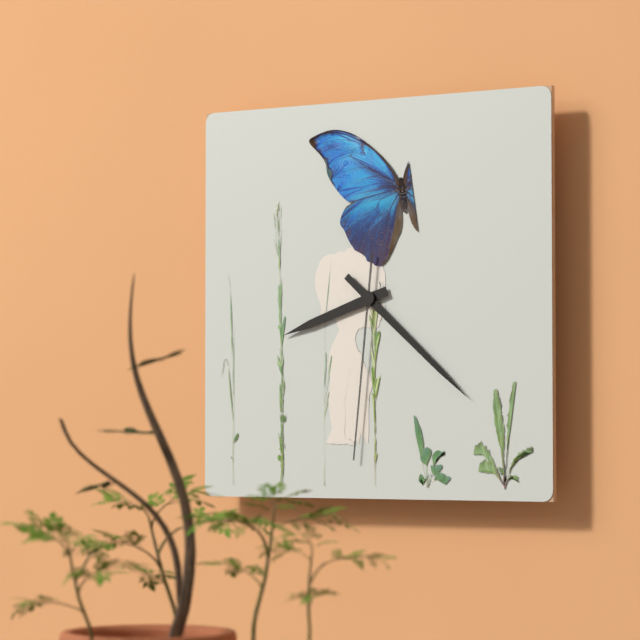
8.22.31
